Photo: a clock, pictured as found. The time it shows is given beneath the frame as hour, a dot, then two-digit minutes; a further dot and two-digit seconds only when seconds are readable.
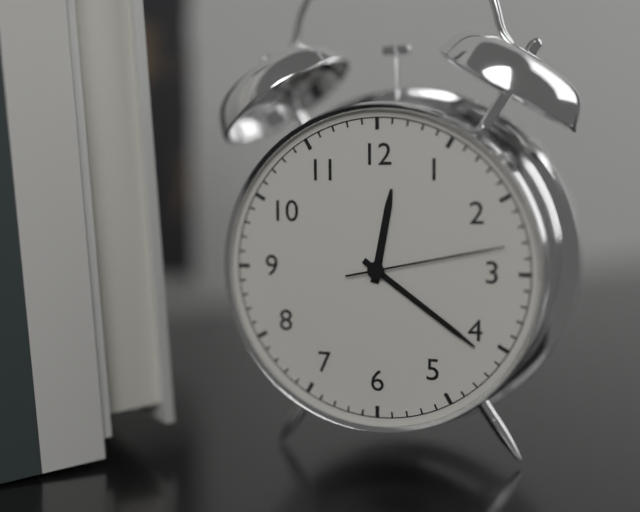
12.21.13
